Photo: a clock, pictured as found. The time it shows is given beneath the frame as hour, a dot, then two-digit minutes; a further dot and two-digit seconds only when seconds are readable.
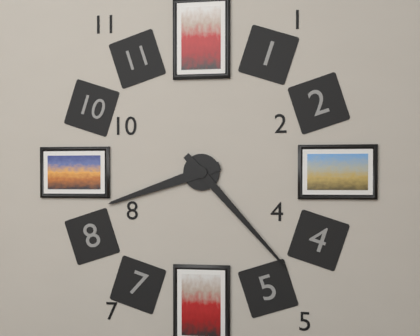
8.23
